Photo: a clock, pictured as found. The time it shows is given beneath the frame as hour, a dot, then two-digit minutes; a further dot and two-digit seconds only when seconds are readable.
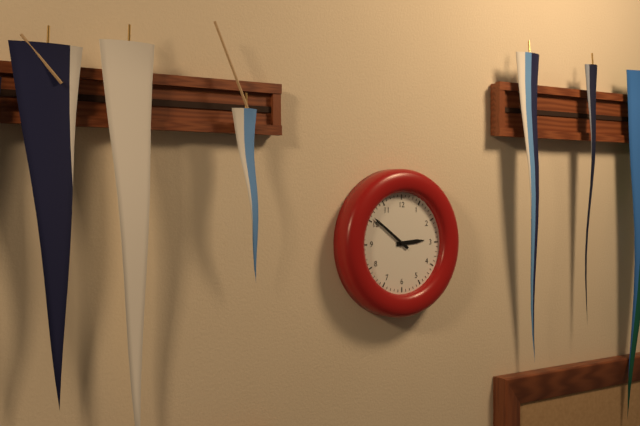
2.51
